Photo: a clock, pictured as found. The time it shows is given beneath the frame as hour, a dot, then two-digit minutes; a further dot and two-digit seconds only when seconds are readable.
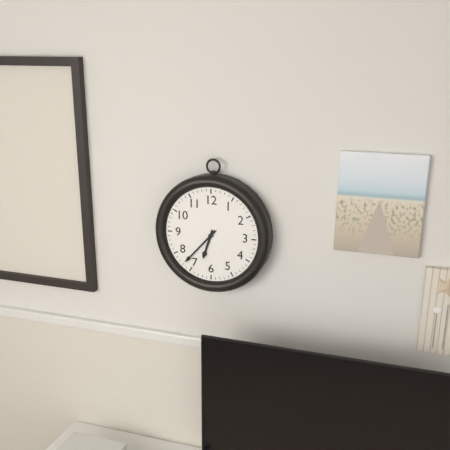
6.37
